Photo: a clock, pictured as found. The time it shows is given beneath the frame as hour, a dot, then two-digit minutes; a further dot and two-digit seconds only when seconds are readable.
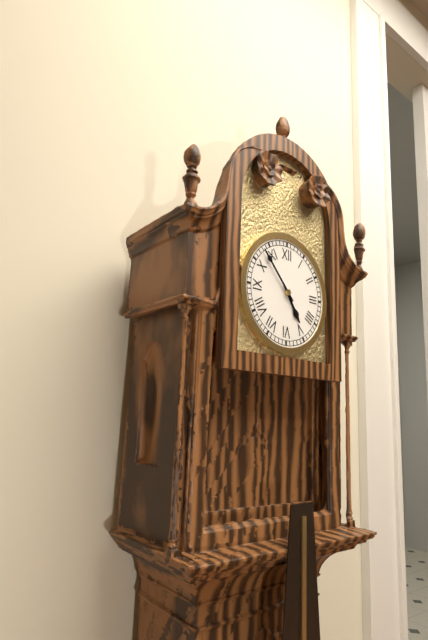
4.53
